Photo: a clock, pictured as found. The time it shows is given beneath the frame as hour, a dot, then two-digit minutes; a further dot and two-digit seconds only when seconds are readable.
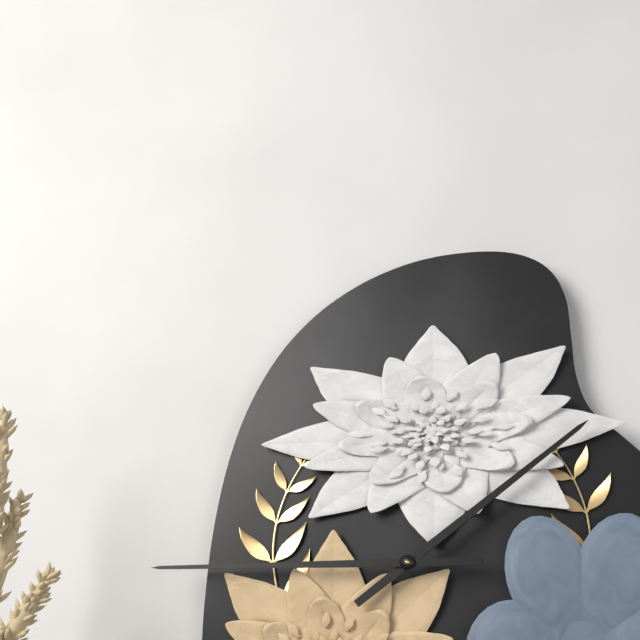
1.45
